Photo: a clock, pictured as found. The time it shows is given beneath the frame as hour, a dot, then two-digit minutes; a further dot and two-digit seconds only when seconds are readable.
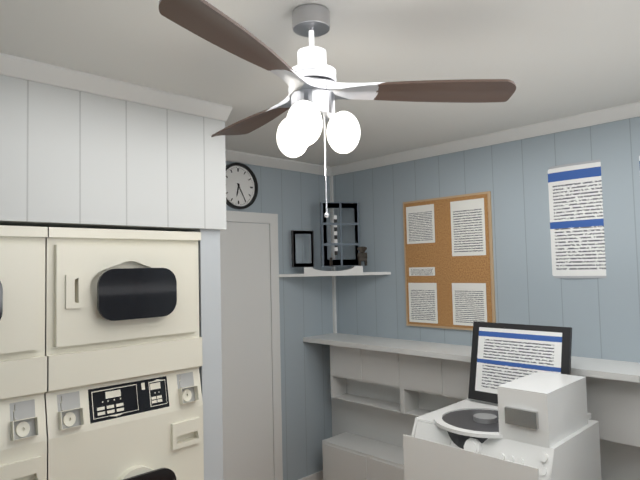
6.25
